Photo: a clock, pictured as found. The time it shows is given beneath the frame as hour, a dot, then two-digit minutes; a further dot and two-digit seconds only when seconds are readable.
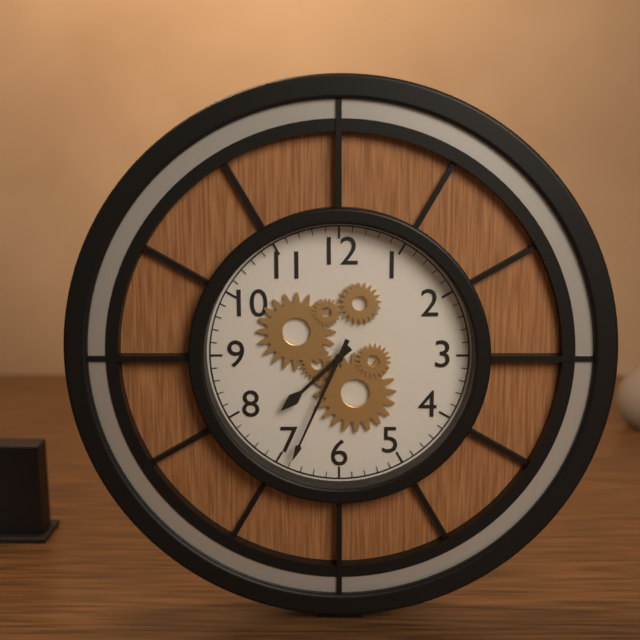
7.34
